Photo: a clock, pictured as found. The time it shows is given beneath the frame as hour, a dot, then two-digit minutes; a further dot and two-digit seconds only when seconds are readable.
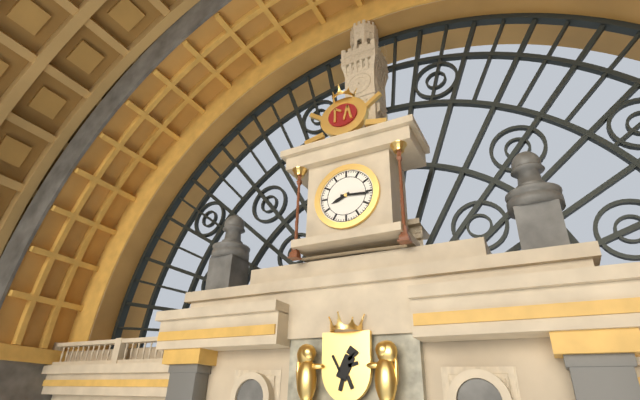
8.16
